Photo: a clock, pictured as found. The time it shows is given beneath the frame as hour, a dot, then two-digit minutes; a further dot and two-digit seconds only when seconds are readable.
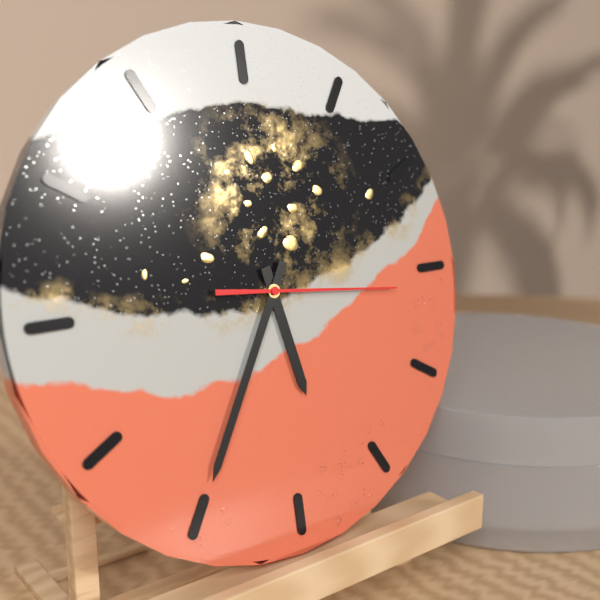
5.35.16
